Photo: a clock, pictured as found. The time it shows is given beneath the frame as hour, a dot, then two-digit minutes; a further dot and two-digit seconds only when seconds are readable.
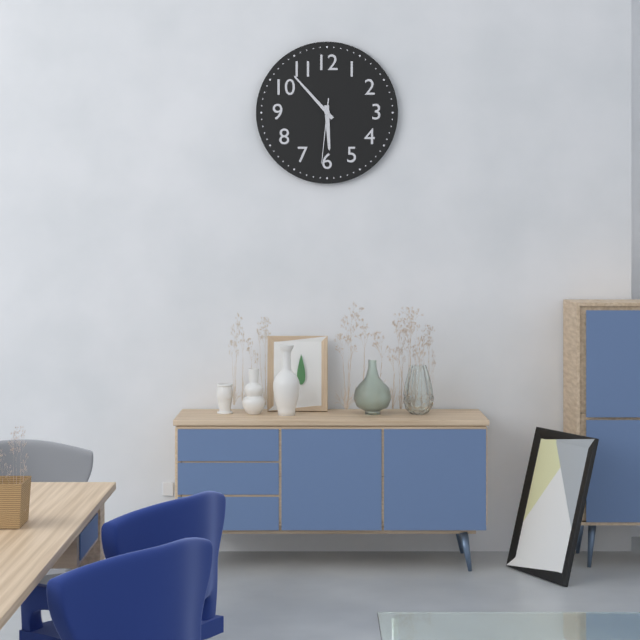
5.53.31
